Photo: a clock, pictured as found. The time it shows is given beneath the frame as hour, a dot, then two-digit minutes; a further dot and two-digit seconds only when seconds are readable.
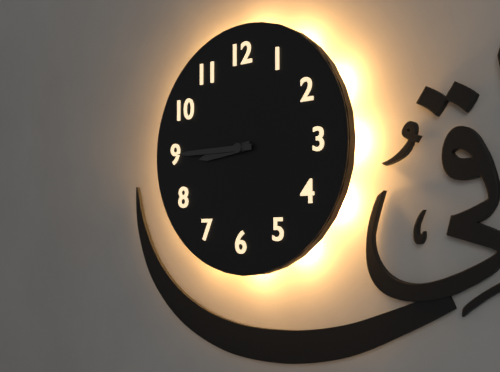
8.45
